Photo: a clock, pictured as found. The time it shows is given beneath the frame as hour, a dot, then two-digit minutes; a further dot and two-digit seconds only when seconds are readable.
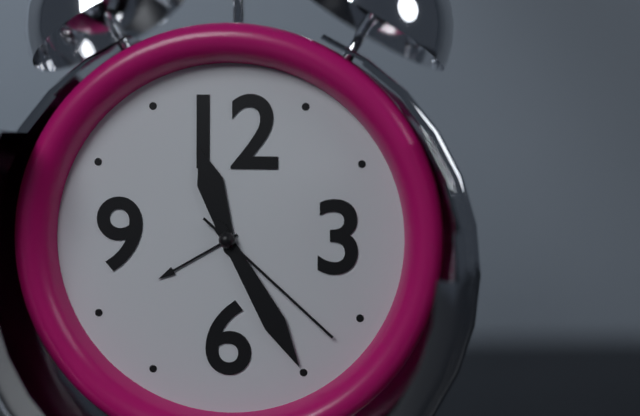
11.25.22
